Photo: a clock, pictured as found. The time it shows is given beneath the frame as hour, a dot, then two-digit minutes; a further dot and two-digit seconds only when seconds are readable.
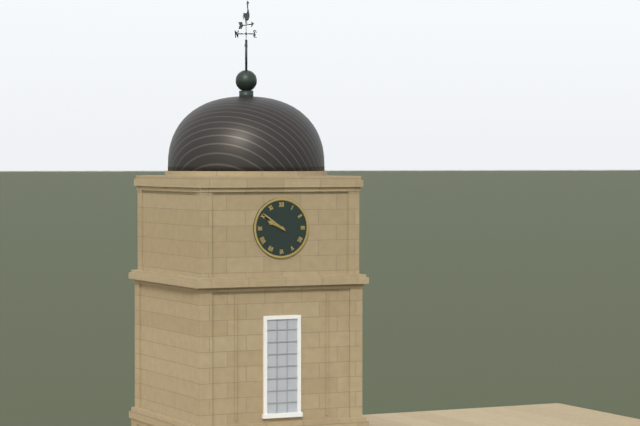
9.51
